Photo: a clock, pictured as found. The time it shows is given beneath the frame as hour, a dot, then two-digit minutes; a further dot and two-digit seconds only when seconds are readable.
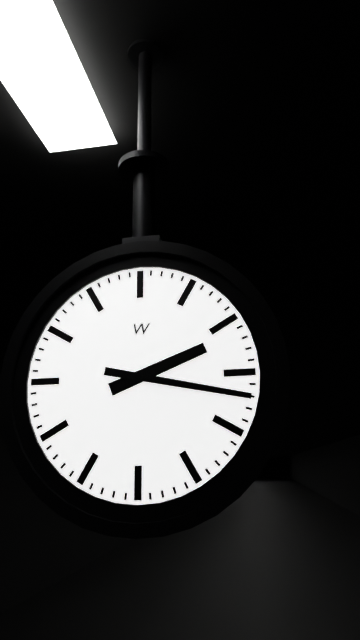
2.17
